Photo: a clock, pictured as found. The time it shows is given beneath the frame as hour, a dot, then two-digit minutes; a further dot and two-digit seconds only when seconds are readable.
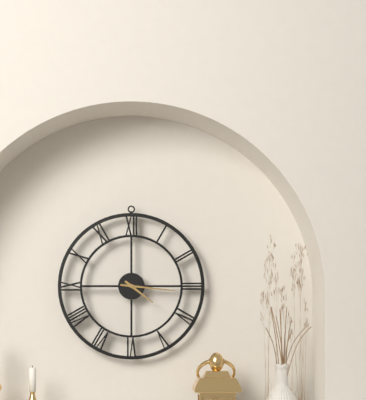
4.16
